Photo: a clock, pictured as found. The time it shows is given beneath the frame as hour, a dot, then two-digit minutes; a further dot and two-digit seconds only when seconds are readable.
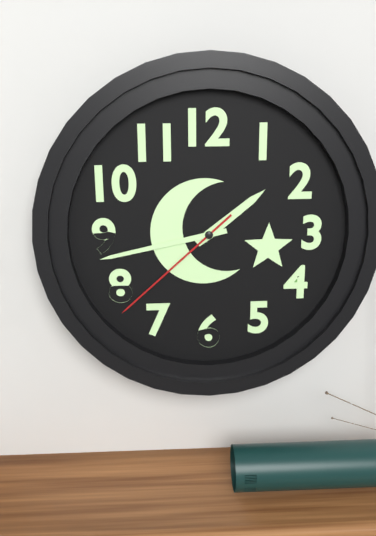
1.43.38
